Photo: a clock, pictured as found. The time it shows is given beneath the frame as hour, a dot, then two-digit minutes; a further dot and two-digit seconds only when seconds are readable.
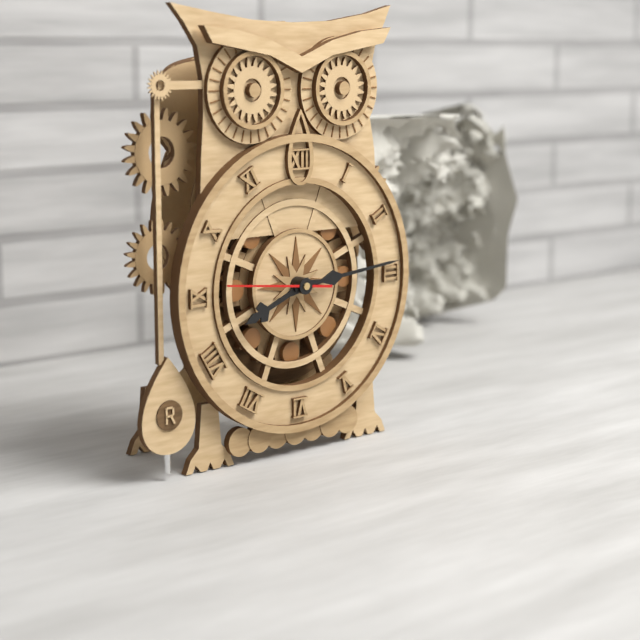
8.14.46
